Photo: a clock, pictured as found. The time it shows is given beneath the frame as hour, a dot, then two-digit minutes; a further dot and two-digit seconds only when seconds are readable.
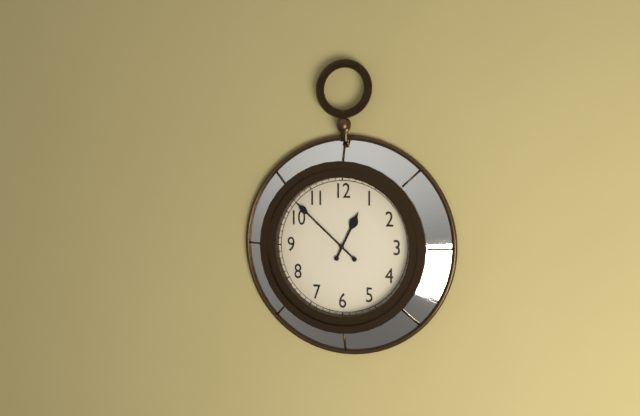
12.52
